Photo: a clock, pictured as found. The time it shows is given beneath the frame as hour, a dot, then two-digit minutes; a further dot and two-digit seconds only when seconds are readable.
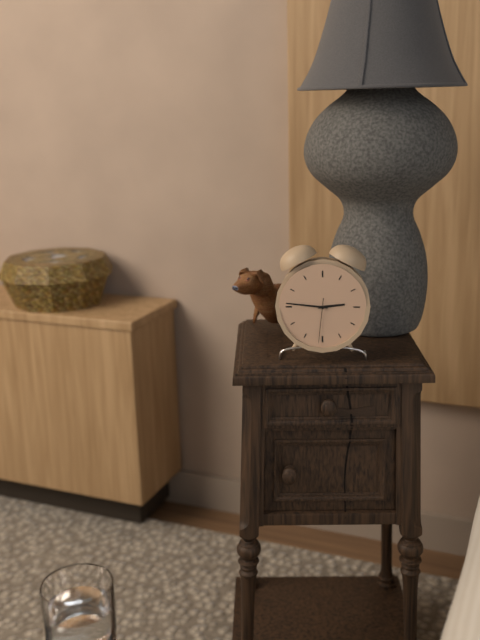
2.46
